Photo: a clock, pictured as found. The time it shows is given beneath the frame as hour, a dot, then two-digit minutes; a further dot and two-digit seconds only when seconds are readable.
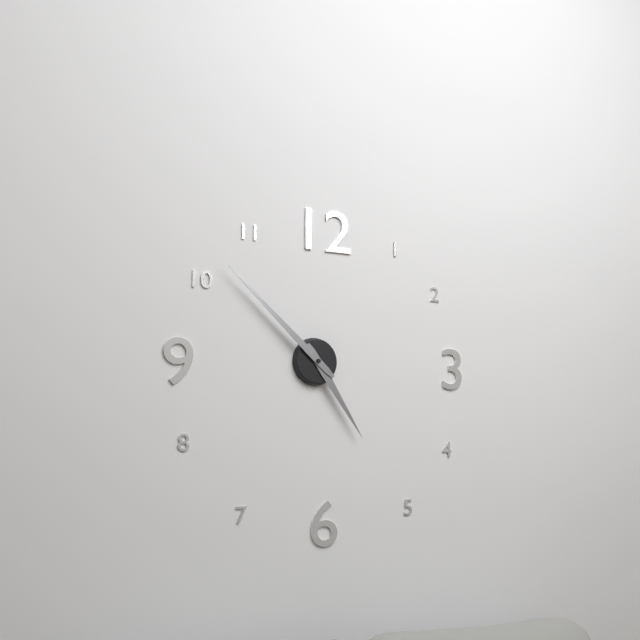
4.52
